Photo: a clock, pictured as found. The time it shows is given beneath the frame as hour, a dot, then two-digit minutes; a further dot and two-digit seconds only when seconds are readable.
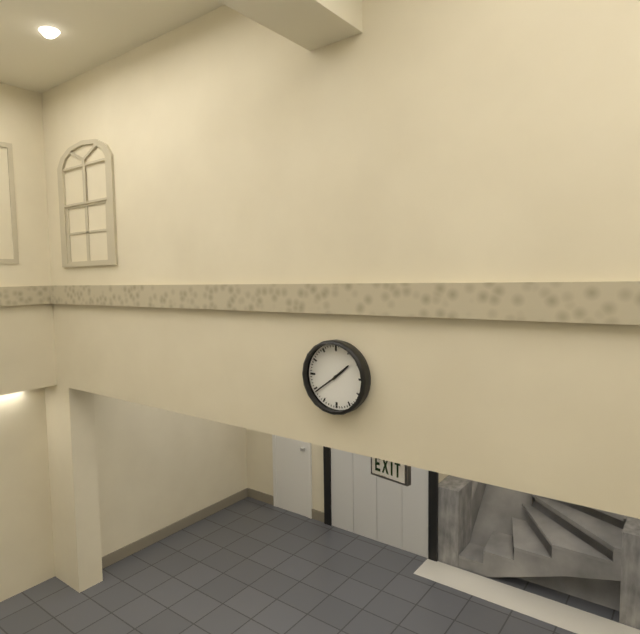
1.39
